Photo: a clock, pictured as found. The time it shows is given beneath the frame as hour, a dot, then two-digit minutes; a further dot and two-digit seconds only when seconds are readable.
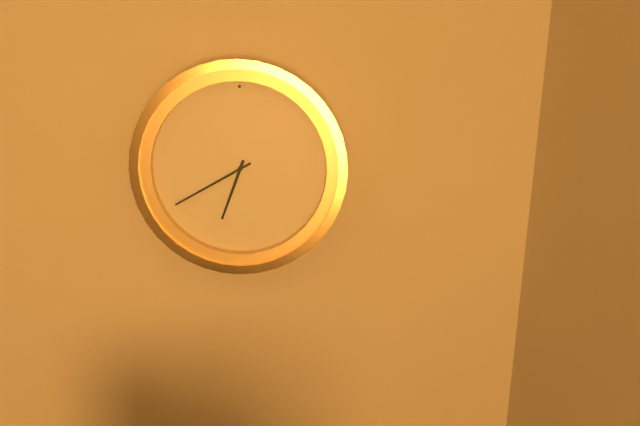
6.40
